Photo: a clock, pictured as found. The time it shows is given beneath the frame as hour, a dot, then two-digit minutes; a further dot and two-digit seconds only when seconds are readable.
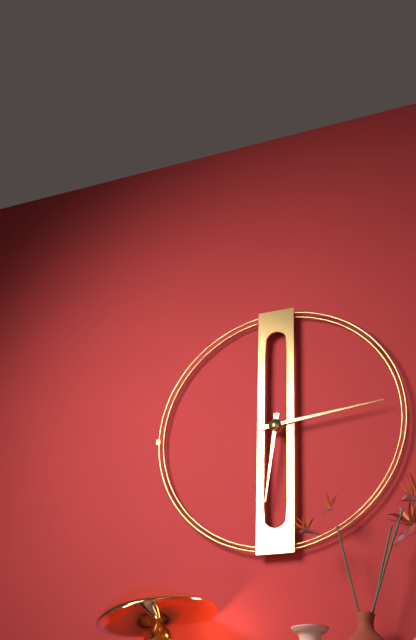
6.14
